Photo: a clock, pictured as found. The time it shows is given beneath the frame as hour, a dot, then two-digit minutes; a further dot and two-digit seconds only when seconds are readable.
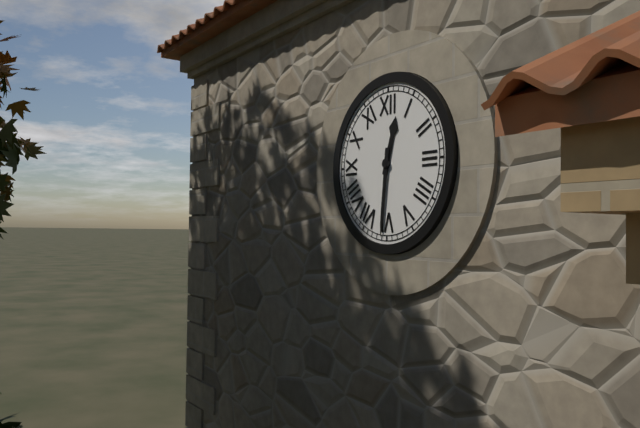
12.31
